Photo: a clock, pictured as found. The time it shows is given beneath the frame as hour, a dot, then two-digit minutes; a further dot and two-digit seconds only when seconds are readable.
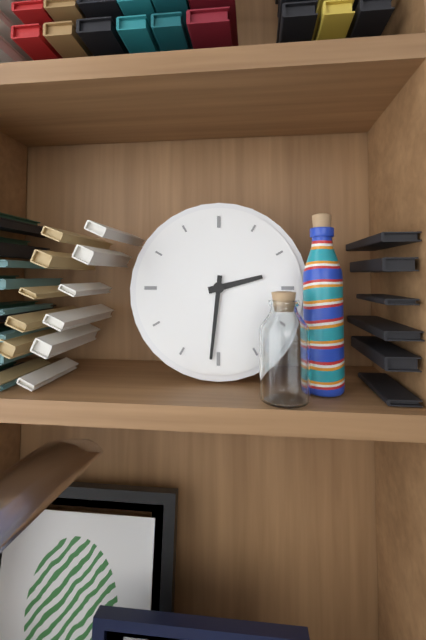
2.31
